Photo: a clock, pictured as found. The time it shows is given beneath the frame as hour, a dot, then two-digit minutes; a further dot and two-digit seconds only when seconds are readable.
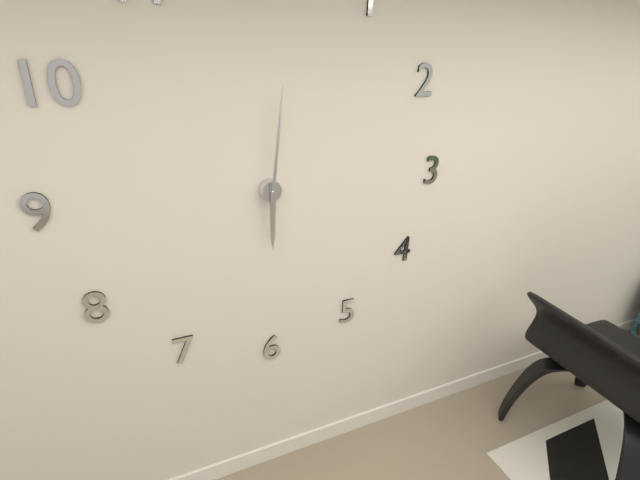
6.01
